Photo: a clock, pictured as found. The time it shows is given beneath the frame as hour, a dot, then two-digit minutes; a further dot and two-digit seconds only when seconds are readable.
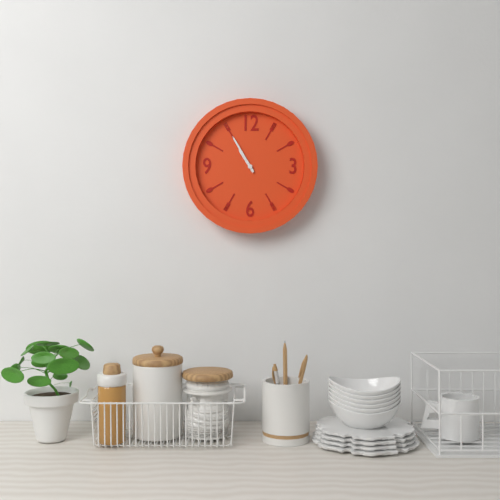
10.55
